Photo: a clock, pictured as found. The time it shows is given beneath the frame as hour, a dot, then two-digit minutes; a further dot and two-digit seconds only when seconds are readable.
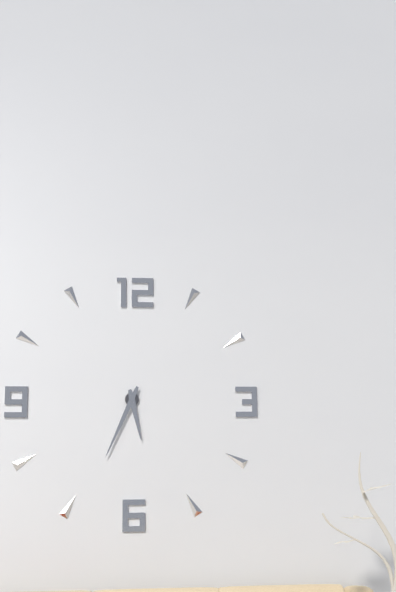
5.34
